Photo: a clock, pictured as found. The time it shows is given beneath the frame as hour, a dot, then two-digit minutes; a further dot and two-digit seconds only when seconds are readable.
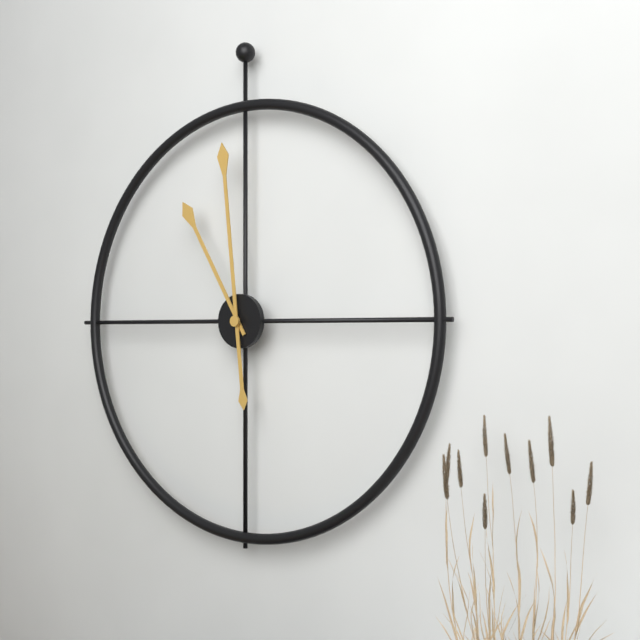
10.59
